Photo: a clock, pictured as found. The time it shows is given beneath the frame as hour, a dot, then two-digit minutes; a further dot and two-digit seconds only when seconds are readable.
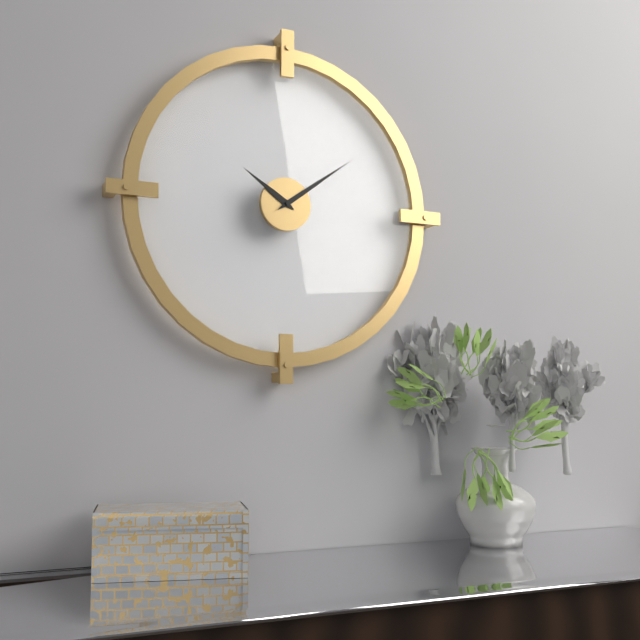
10.09
